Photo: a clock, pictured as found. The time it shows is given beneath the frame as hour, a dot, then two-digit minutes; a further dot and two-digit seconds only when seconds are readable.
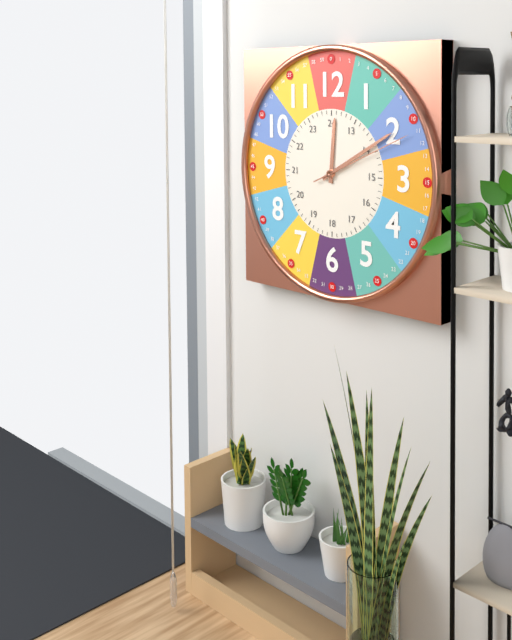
12.10.11
